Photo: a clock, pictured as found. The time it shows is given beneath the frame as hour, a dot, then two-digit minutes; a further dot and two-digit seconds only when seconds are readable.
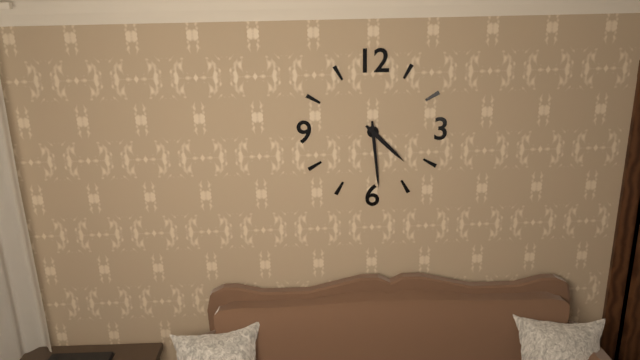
4.29
